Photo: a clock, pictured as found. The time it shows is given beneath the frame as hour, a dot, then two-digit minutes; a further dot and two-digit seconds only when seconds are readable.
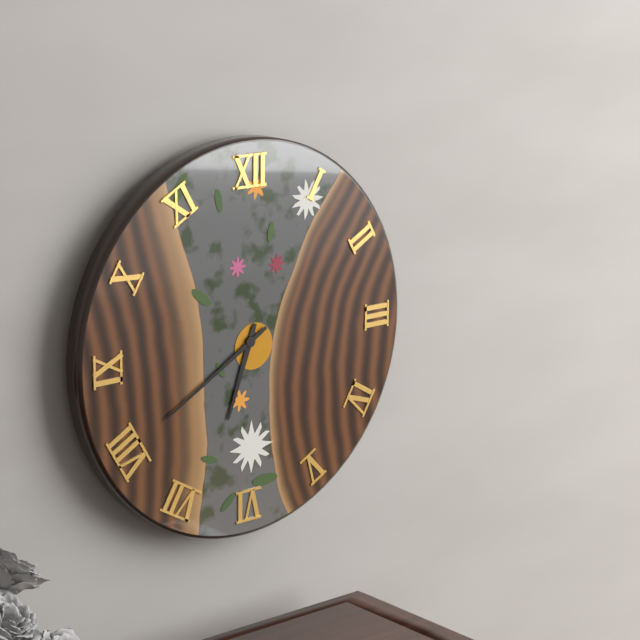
6.40
